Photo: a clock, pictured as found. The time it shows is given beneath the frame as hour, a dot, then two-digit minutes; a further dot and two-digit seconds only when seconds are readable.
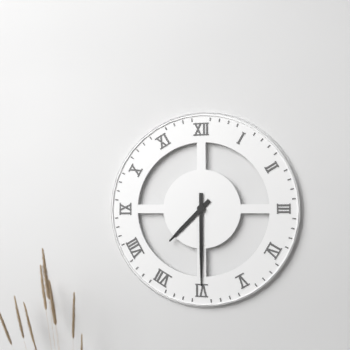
7.30
